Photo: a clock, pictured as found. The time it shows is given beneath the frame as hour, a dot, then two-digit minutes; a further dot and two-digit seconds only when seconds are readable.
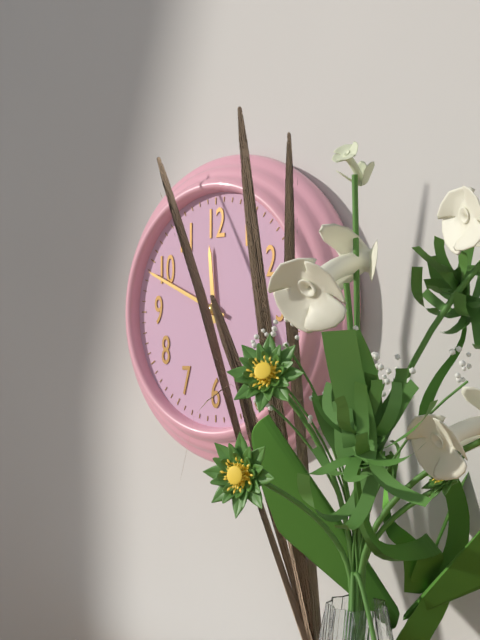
11.49
